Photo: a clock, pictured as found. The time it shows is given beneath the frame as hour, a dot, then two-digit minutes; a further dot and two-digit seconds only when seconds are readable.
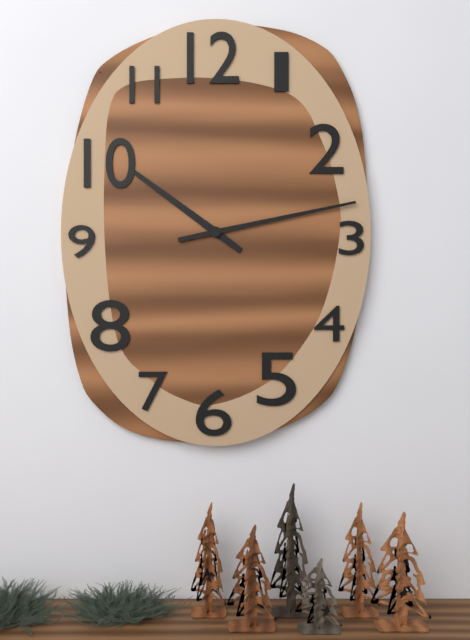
10.13
